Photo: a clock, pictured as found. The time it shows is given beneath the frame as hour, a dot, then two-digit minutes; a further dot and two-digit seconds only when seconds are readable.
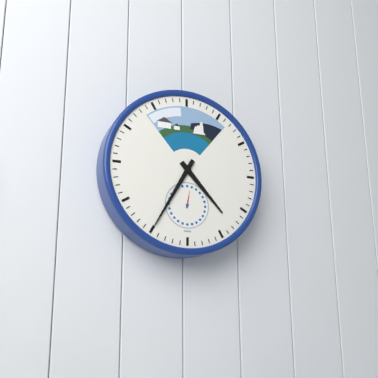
4.35
